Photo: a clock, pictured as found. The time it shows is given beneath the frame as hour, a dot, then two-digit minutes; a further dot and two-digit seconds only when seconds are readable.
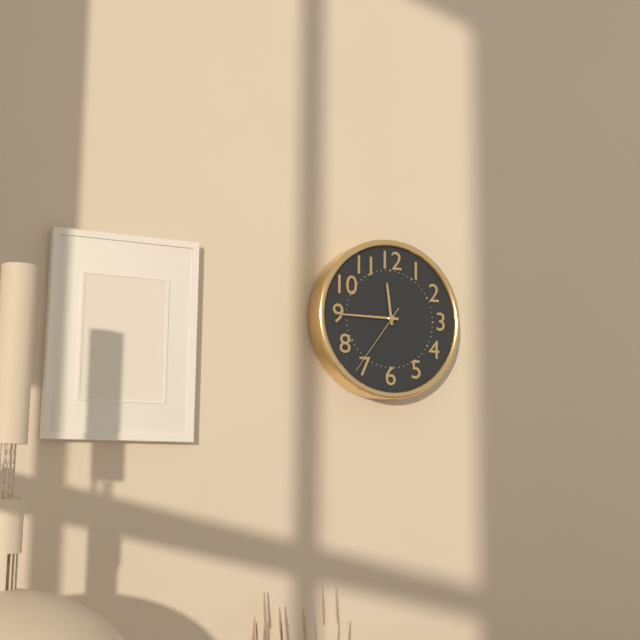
11.45.36
